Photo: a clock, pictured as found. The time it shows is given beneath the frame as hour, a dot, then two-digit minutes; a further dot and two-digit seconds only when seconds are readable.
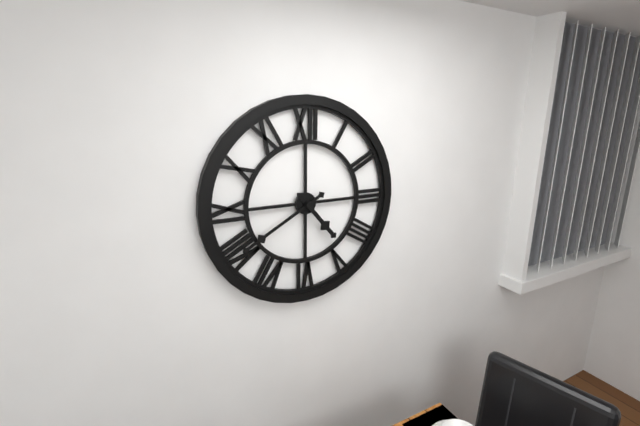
4.40
